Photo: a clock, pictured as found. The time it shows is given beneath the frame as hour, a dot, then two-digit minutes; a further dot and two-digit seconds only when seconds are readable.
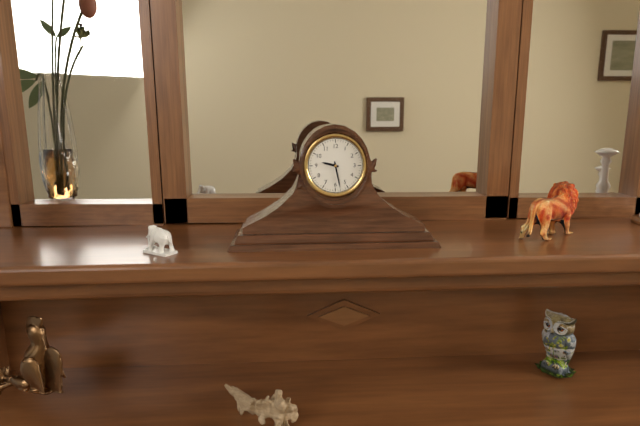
9.28
